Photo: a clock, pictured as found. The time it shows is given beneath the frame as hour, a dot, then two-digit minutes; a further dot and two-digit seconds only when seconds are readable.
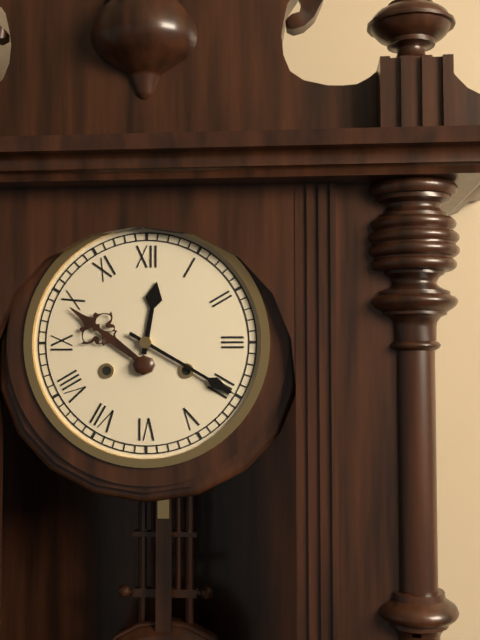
12.20
